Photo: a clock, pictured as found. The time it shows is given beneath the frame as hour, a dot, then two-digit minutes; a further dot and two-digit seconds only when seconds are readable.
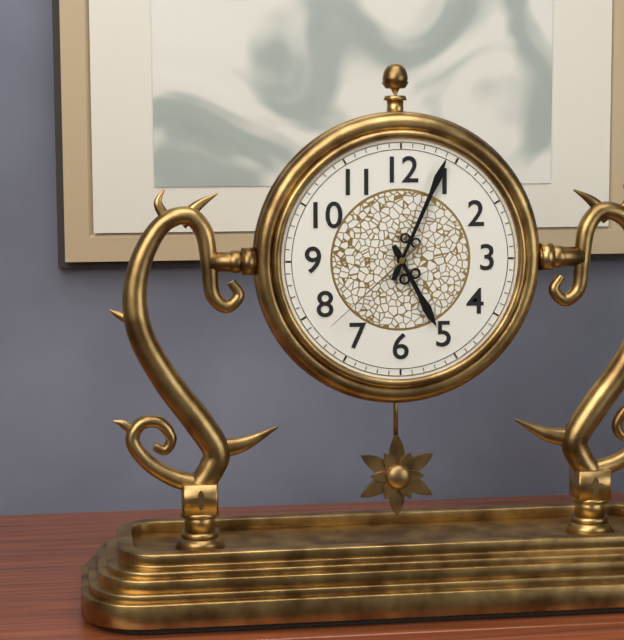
5.04.38
